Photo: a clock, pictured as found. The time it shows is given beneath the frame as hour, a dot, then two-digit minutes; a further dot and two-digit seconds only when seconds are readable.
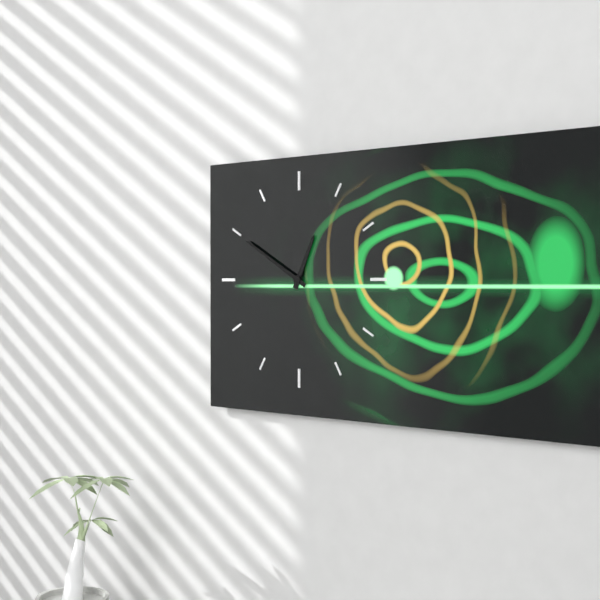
12.50
